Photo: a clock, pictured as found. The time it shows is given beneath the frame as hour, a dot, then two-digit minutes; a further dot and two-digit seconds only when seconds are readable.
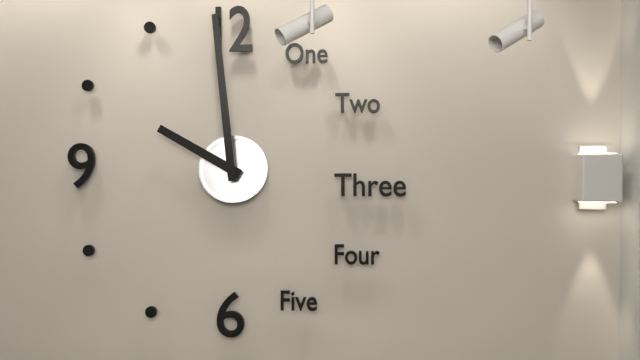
9.59
